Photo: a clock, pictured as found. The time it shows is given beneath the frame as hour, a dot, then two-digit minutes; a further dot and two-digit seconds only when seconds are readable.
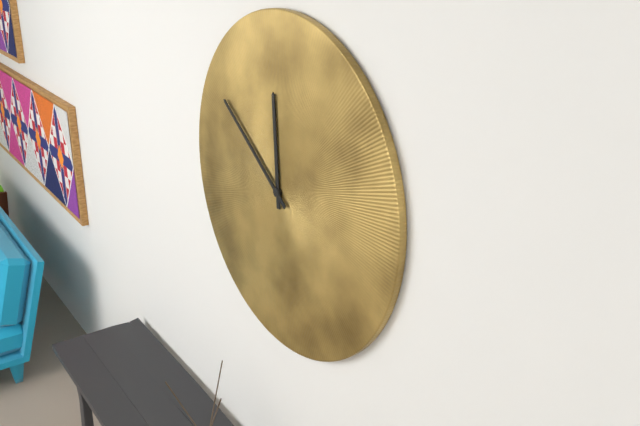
11.51
